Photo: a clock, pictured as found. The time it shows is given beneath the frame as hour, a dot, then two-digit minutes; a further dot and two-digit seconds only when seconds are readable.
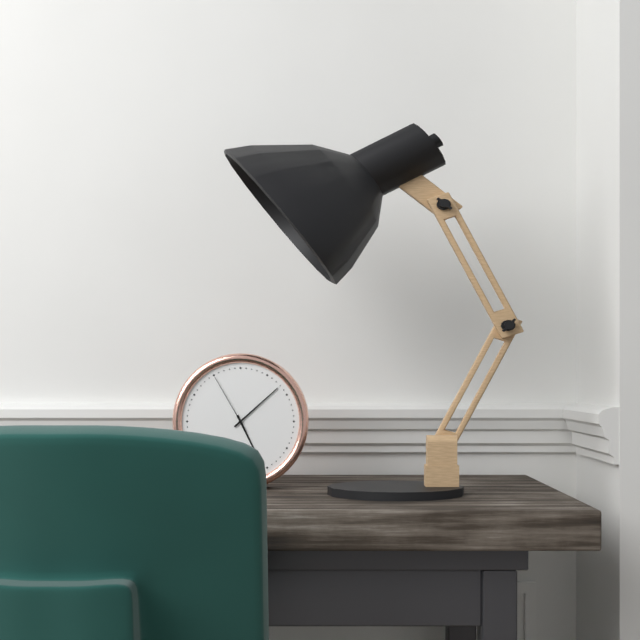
5.08.55
